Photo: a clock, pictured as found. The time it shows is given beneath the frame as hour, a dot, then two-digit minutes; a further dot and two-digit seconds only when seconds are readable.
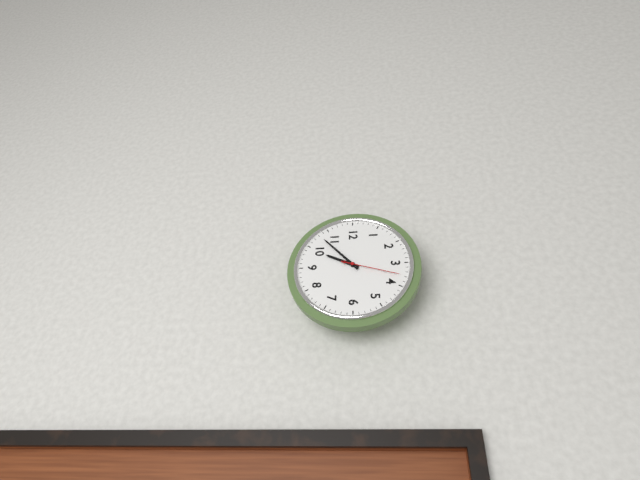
9.53.18
